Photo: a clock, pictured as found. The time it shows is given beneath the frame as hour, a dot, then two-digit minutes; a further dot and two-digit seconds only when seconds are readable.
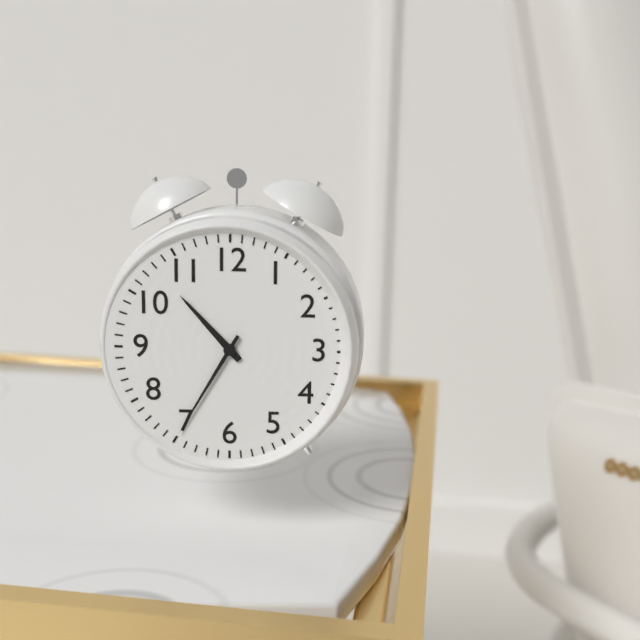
10.35
